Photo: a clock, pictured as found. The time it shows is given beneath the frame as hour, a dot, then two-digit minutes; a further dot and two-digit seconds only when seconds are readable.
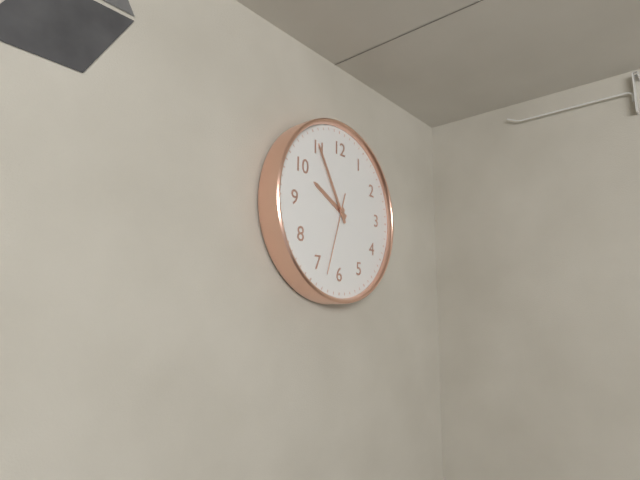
9.55.33
